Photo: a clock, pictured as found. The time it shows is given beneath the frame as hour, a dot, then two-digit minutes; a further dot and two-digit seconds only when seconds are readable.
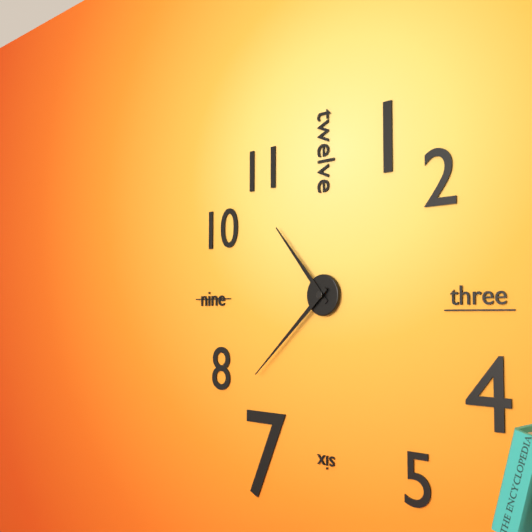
10.38
